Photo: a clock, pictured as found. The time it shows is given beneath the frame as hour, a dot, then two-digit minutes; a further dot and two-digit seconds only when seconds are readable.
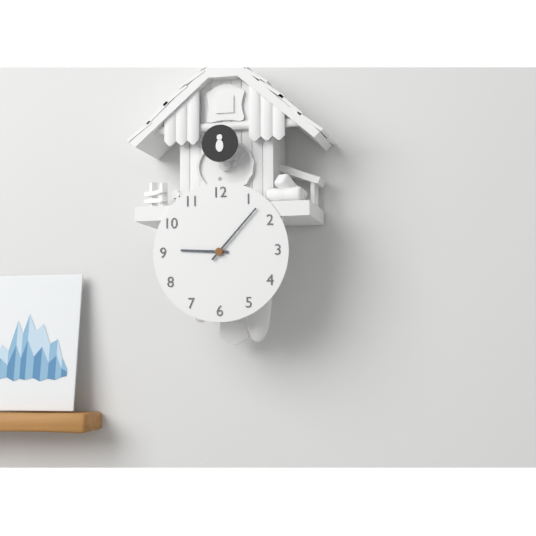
9.07
